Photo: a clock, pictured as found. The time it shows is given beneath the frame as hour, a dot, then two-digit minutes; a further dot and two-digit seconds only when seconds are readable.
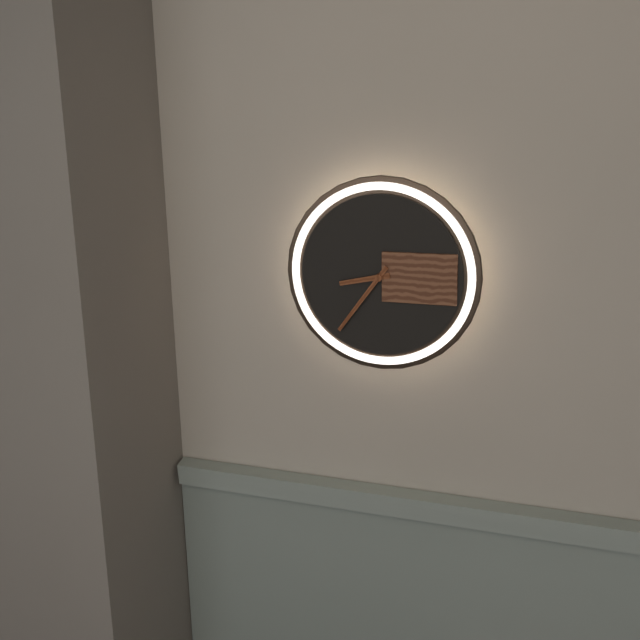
8.36
